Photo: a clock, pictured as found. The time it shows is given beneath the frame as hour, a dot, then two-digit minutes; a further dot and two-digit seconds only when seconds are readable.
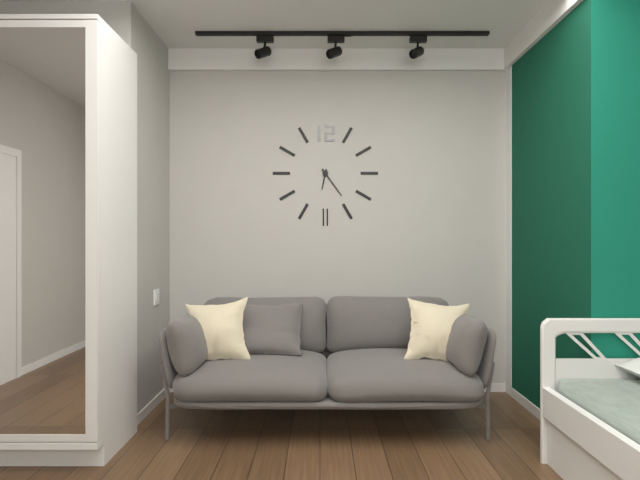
6.24
